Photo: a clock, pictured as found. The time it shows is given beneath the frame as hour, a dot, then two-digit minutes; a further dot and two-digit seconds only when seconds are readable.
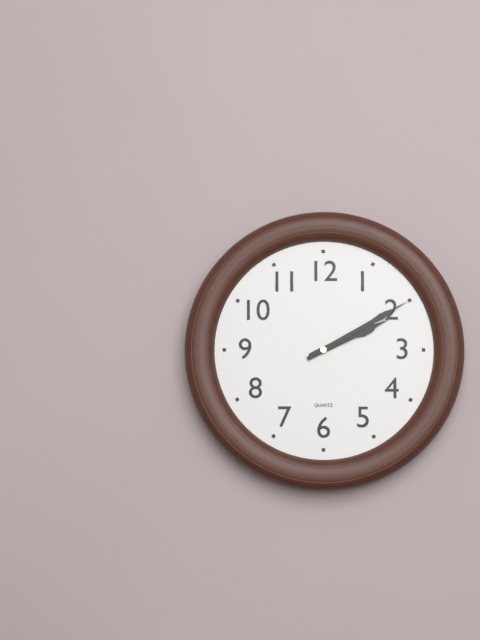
2.10
